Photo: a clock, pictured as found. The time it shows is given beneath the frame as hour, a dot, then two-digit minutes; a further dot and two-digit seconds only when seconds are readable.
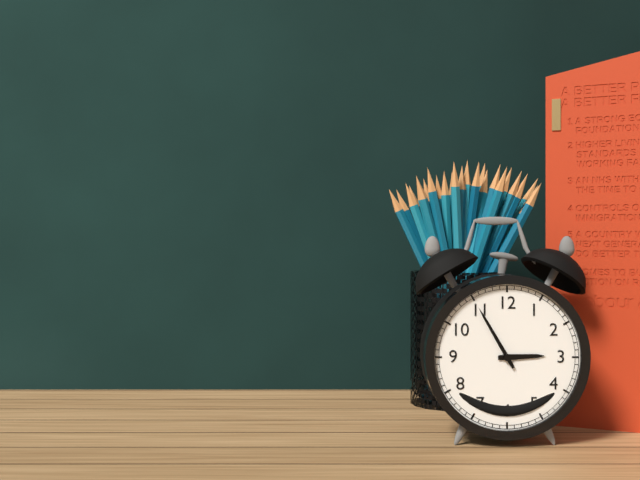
2.55
